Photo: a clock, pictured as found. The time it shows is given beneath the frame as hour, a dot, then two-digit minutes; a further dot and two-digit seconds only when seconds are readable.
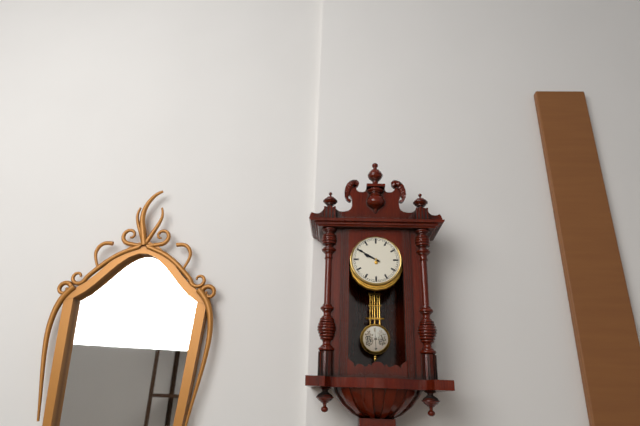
9.50
